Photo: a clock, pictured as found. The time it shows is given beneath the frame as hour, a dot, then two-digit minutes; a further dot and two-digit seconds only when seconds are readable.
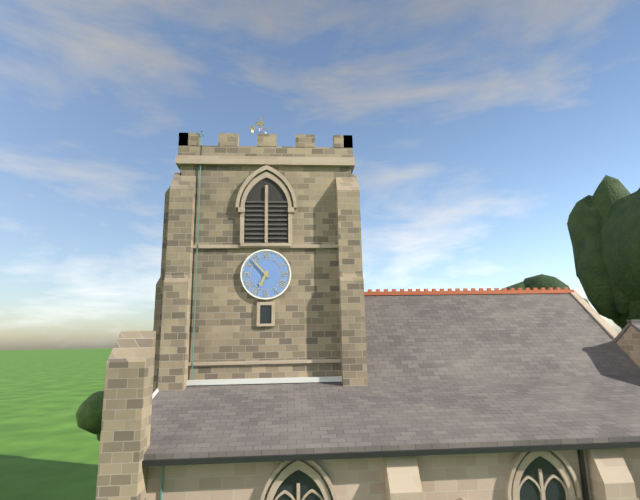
6.53
